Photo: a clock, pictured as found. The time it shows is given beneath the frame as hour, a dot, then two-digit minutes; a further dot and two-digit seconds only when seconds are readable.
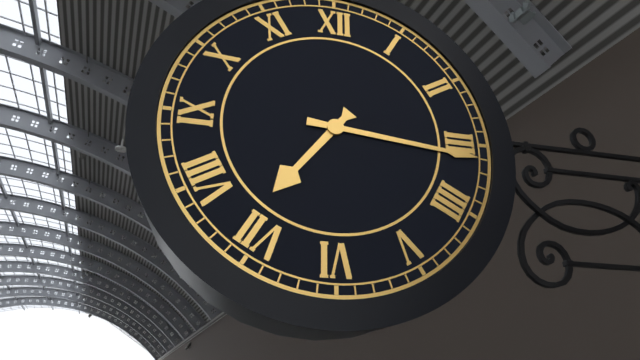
7.16
